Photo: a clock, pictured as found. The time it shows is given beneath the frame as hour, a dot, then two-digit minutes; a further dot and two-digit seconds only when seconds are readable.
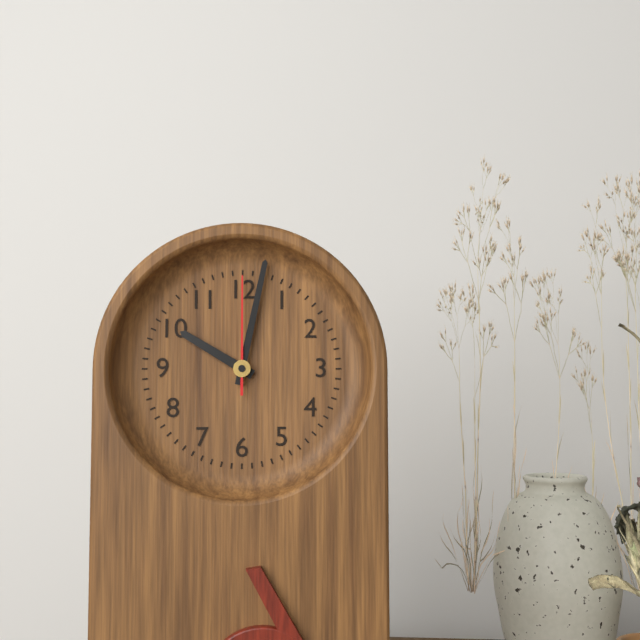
10.02.00
